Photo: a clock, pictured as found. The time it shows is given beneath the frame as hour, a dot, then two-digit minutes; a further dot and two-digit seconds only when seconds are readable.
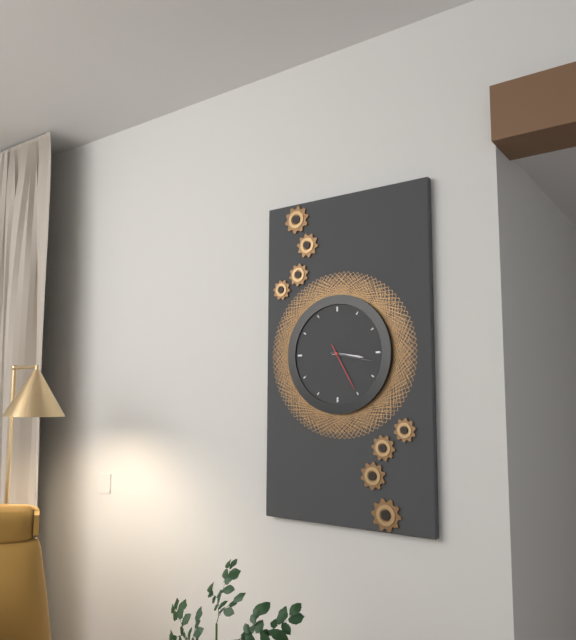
3.17
